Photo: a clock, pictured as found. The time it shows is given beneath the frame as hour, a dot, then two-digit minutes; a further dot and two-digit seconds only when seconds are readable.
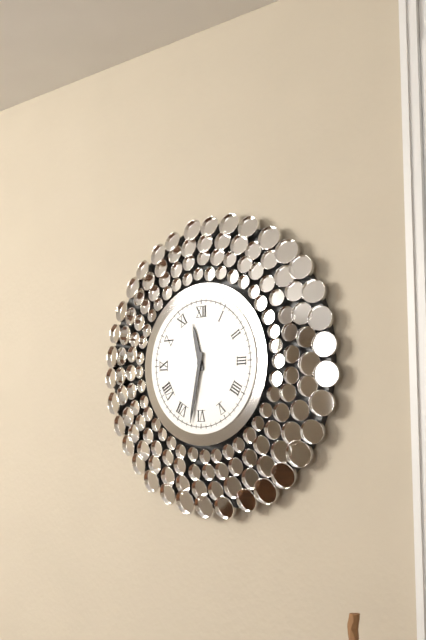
11.32
